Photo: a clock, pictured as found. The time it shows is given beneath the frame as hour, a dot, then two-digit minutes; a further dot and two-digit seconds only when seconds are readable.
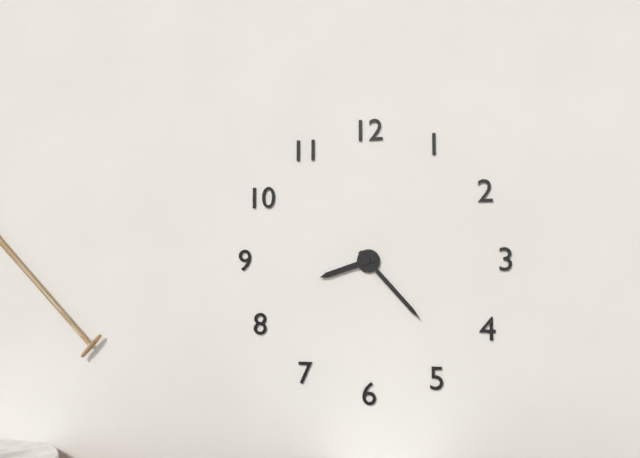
8.23
